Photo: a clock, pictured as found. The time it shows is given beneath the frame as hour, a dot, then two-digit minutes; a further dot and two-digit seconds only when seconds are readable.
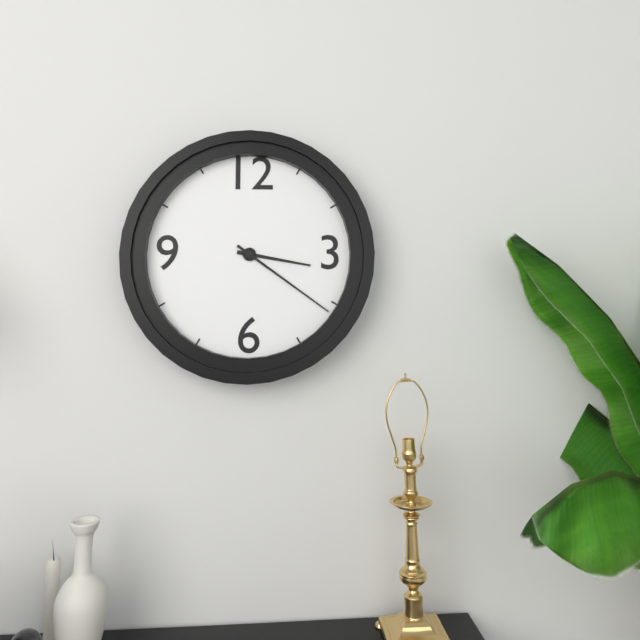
3.21
